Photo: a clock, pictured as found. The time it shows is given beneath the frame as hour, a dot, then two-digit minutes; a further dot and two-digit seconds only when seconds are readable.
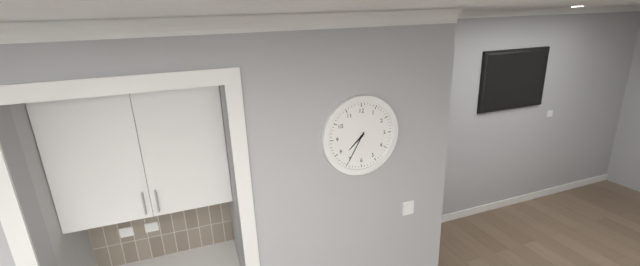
7.35
